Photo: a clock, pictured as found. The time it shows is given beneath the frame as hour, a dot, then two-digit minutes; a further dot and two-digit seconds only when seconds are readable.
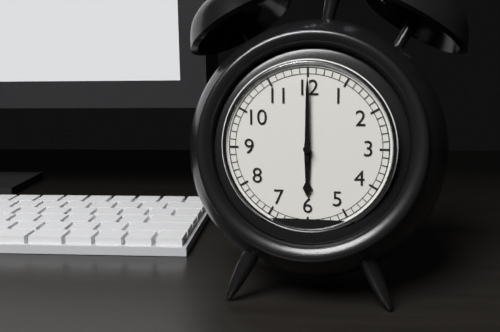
6.00
